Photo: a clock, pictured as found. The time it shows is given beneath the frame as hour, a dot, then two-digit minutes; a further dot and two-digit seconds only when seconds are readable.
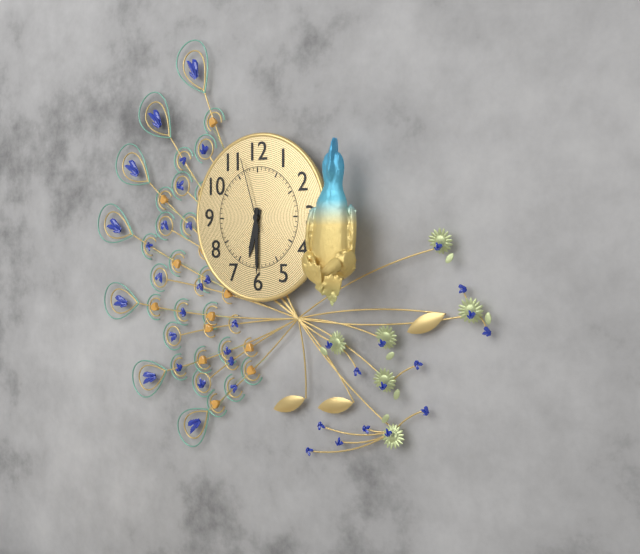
6.30.57
